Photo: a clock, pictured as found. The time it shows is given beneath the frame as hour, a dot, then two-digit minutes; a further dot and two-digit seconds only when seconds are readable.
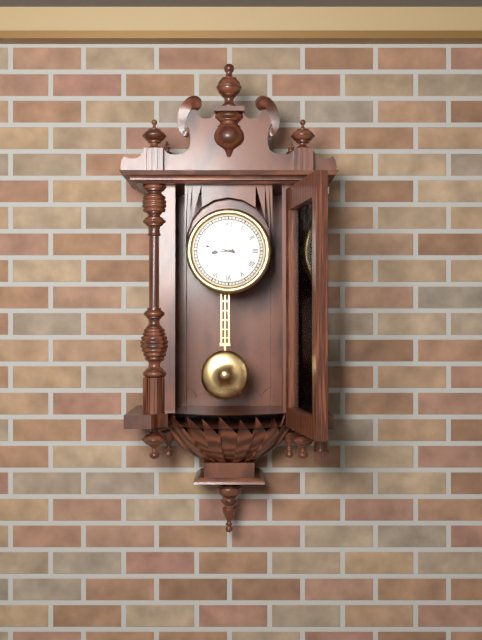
8.47
